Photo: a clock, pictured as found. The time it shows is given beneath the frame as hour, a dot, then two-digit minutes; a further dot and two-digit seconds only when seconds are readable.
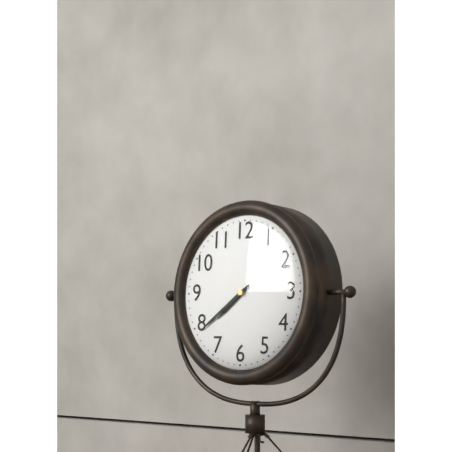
7.39
